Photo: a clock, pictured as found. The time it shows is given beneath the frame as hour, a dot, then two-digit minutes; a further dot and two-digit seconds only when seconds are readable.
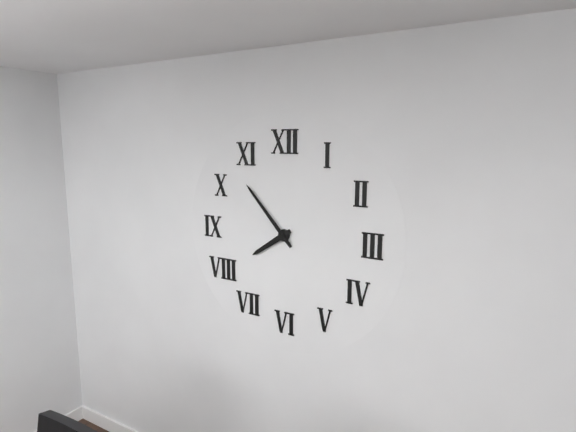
7.53
